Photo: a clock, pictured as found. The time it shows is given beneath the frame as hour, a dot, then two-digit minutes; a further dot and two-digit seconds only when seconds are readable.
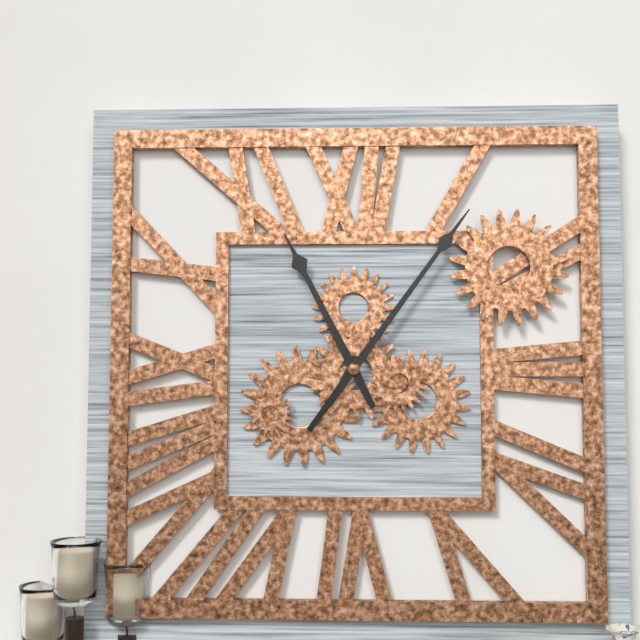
11.06
